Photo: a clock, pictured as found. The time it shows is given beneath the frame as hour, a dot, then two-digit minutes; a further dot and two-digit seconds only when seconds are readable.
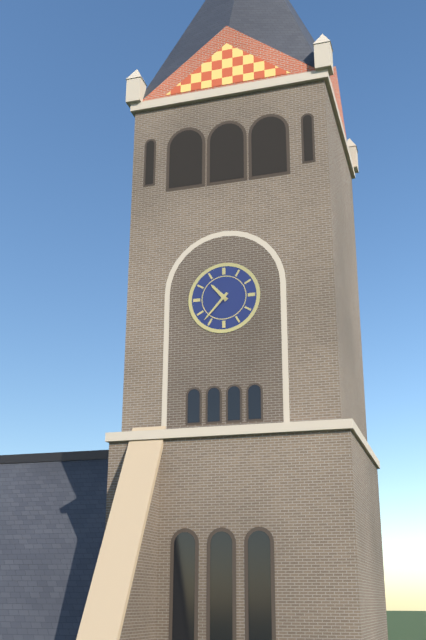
10.37
